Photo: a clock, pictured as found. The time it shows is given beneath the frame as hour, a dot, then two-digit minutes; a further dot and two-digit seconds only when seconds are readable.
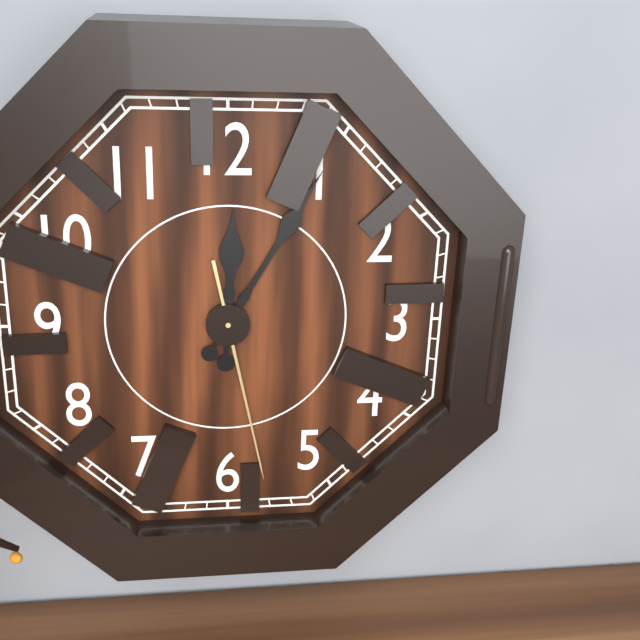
12.05.28
